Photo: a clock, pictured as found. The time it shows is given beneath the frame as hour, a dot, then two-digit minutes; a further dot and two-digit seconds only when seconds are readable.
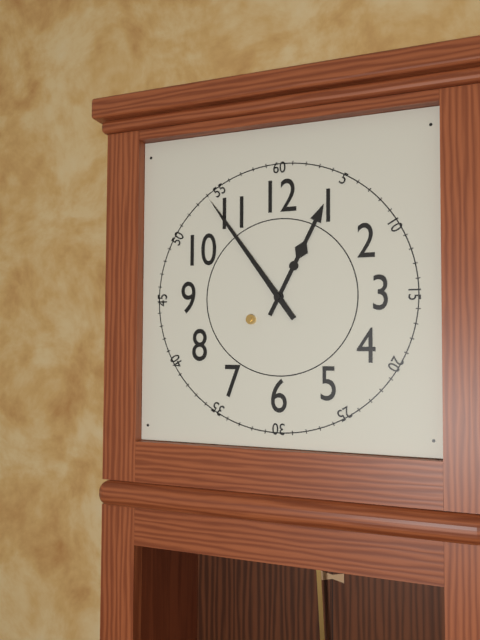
12.54
